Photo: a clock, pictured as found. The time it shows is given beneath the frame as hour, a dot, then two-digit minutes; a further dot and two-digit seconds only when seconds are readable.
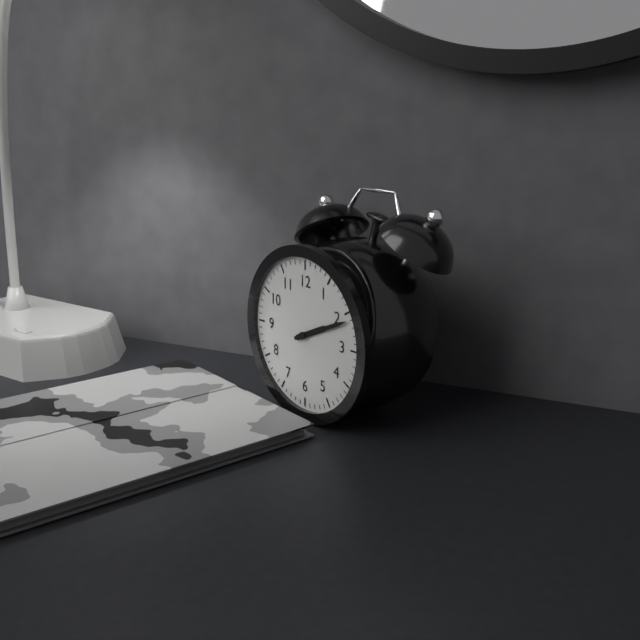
2.11
